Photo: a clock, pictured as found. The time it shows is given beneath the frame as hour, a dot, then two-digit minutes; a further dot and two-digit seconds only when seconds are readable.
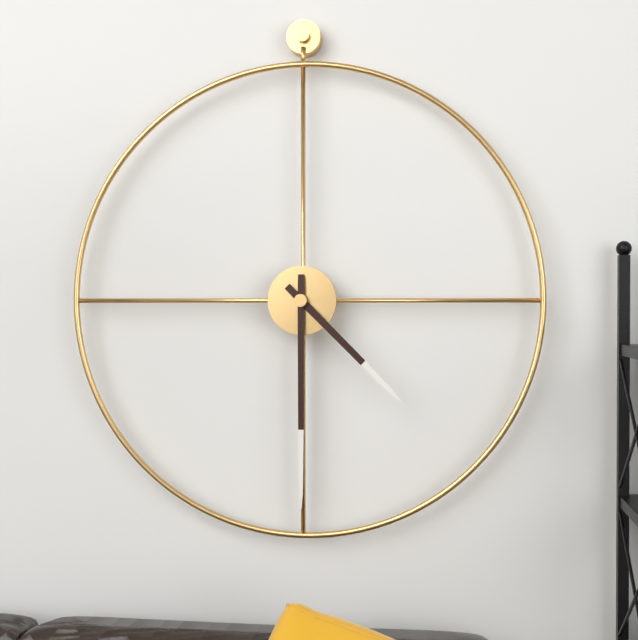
4.30
